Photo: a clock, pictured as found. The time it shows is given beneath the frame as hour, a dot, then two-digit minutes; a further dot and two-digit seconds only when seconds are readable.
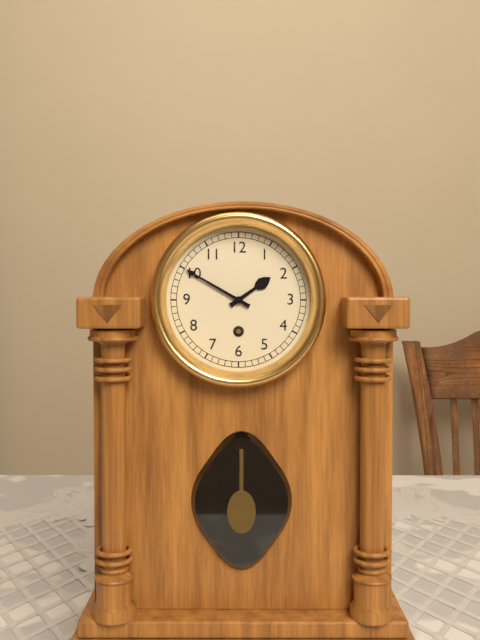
1.50
